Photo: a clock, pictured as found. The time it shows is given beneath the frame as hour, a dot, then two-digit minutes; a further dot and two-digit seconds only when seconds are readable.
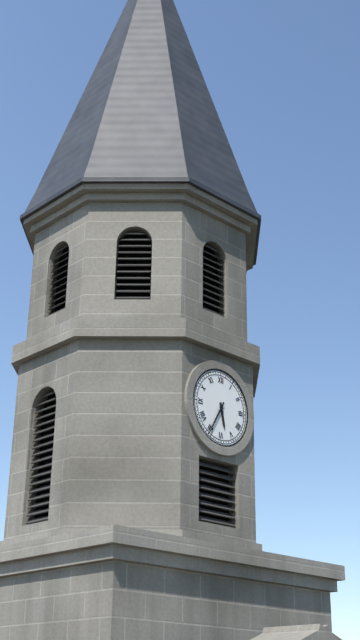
5.35
